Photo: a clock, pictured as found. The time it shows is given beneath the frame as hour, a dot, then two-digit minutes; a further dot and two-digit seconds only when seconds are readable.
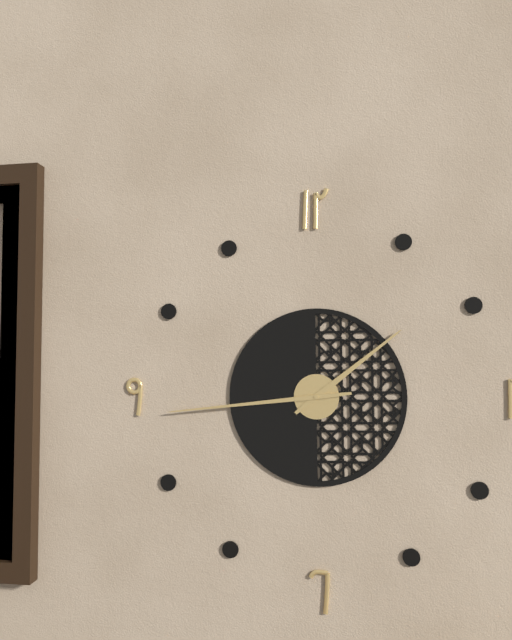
1.44
